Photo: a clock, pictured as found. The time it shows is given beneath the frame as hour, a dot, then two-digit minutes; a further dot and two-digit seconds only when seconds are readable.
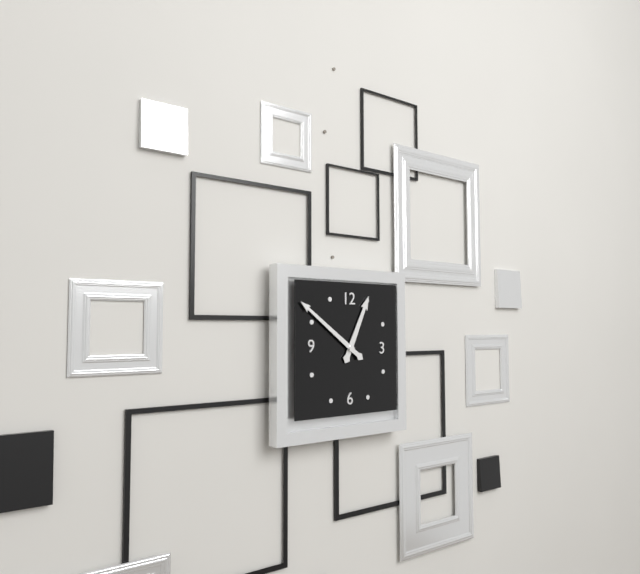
12.51
